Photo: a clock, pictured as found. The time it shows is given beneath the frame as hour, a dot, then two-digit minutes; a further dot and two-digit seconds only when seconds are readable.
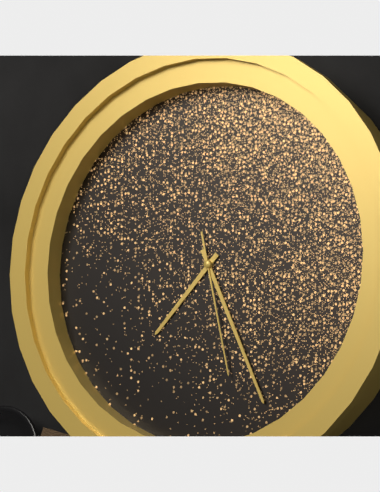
7.26.28
